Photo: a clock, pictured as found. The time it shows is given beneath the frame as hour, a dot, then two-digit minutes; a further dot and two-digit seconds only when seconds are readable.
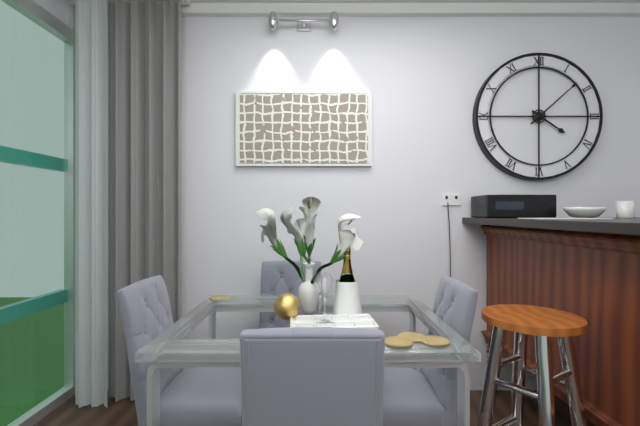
4.08
